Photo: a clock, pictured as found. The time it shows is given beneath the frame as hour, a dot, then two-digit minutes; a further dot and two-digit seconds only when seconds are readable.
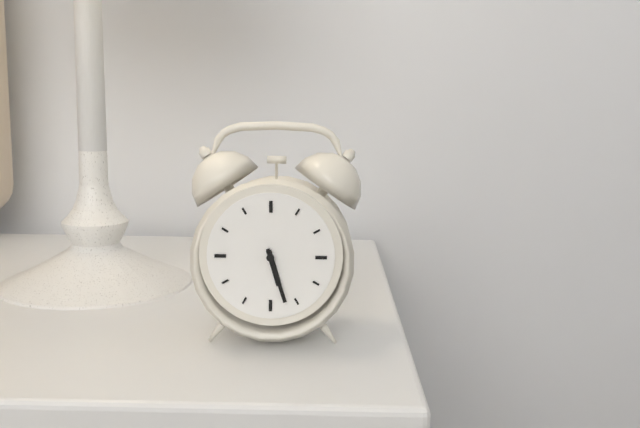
5.27
